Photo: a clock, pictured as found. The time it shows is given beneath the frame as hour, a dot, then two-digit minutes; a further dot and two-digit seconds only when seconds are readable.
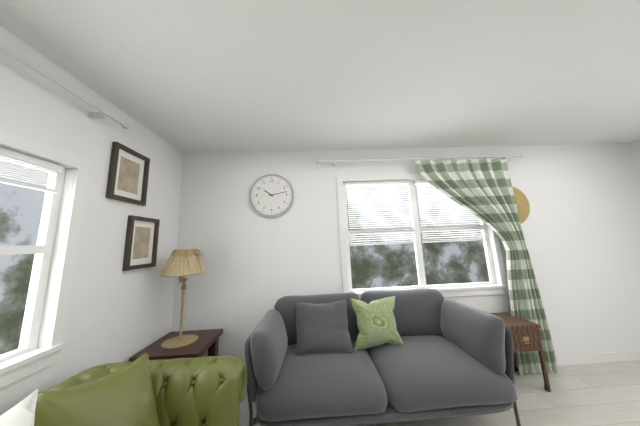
10.13
